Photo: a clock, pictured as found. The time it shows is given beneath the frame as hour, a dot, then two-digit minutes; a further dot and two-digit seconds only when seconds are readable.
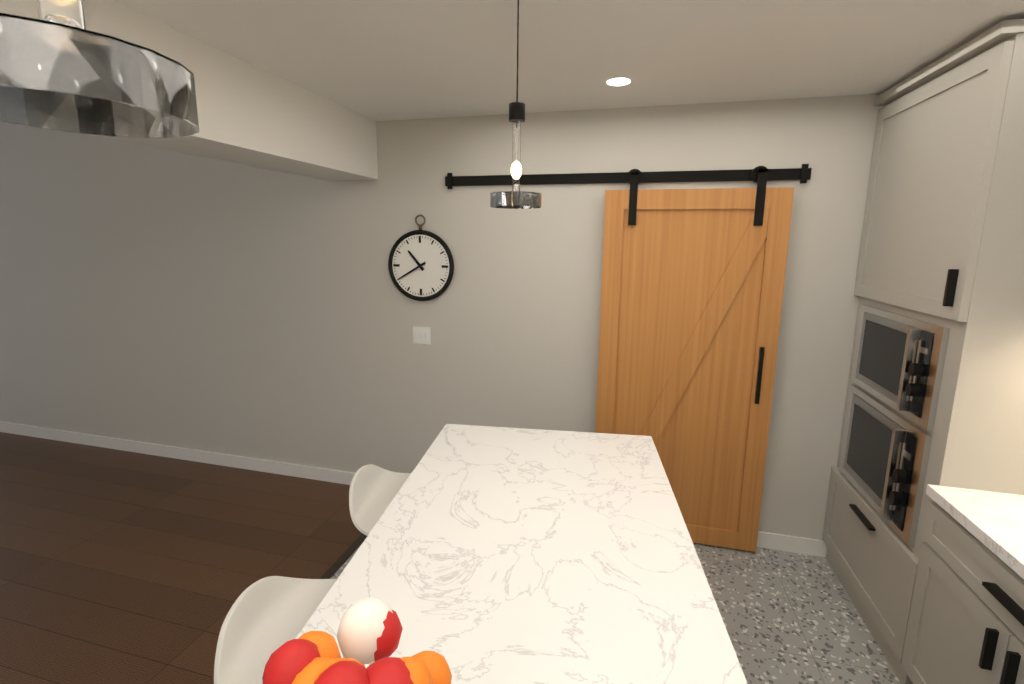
10.40
